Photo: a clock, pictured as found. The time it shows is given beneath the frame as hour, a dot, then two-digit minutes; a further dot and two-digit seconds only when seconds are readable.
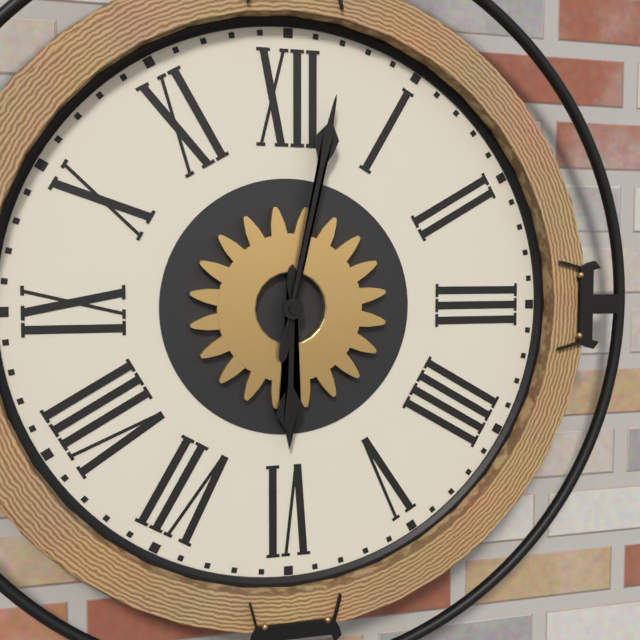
6.02
